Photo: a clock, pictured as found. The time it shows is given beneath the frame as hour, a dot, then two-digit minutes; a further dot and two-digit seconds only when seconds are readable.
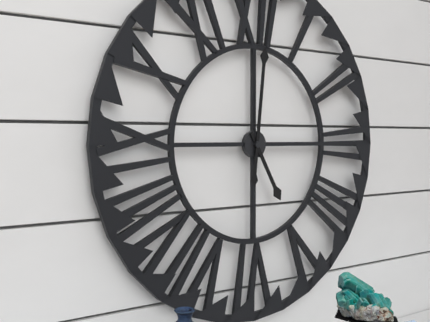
5.01
